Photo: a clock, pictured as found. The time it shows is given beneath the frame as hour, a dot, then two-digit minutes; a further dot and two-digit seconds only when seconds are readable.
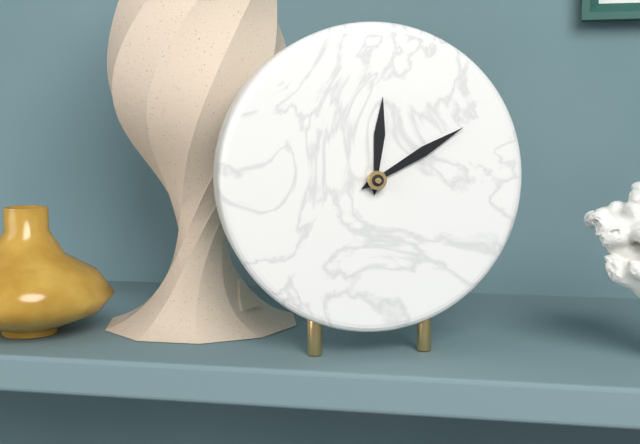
12.10
